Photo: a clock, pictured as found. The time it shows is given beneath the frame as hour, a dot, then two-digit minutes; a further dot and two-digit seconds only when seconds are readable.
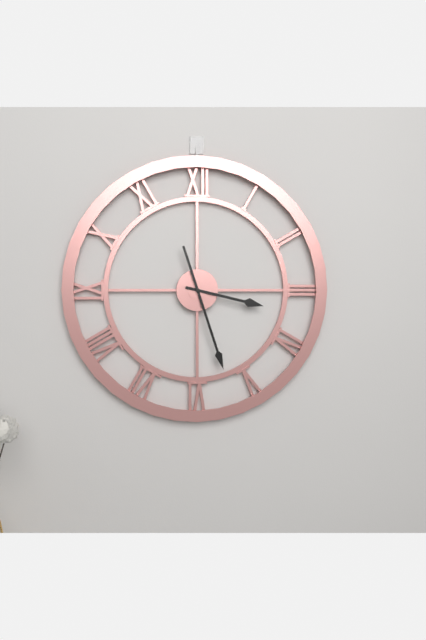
3.27
